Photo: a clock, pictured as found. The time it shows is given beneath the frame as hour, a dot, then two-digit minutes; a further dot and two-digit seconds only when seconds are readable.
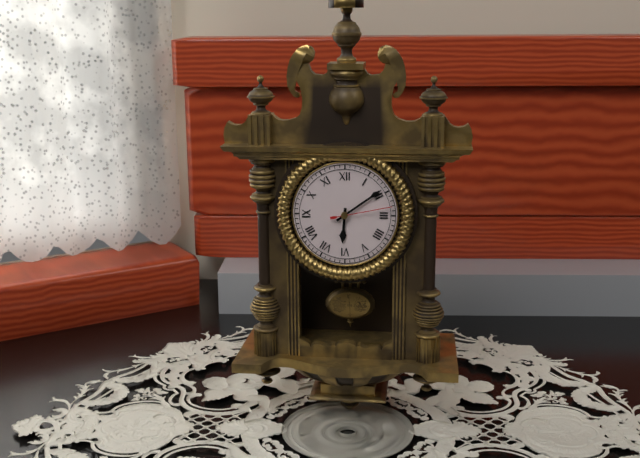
6.09.13
